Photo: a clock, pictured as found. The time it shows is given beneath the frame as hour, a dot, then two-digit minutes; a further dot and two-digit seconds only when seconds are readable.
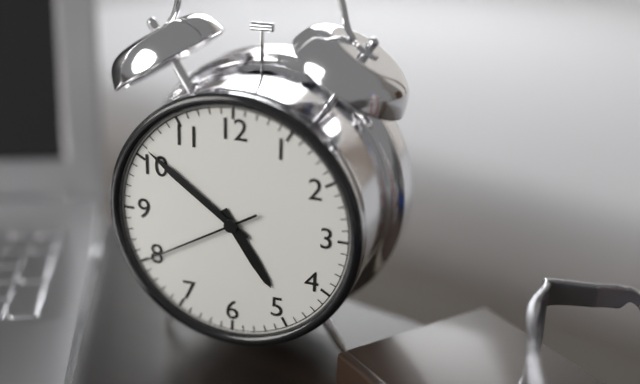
4.51.40
